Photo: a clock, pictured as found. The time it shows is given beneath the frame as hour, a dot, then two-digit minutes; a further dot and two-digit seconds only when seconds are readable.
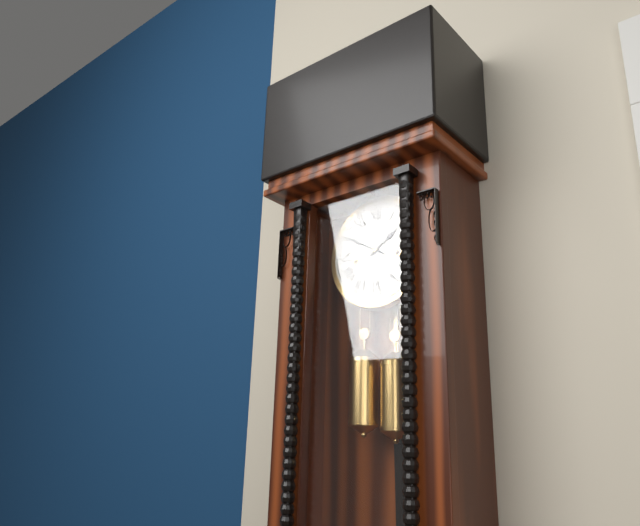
1.50
